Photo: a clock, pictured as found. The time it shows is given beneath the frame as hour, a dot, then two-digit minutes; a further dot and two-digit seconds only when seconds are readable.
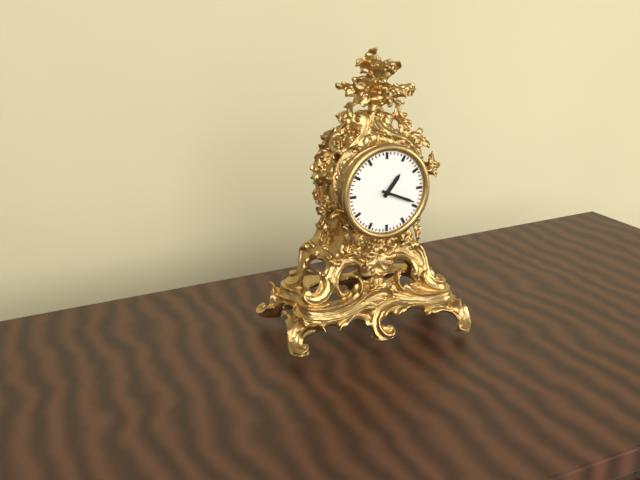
1.19
